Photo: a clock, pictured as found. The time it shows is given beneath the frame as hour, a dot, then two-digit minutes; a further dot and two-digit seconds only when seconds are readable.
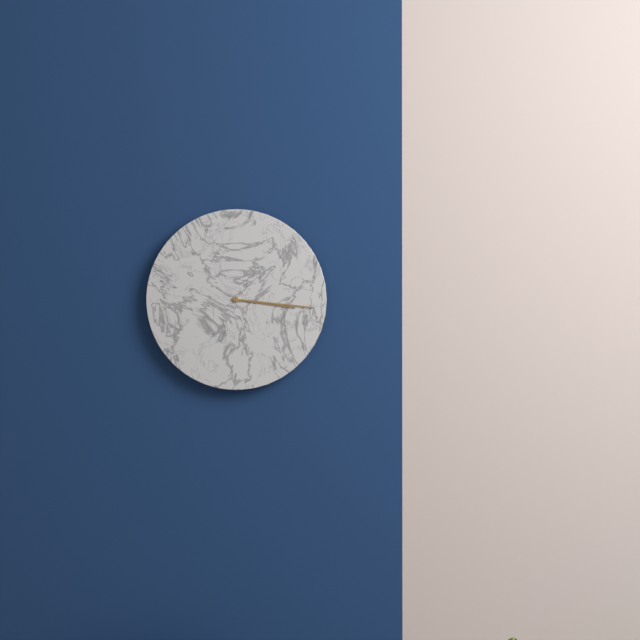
3.16
